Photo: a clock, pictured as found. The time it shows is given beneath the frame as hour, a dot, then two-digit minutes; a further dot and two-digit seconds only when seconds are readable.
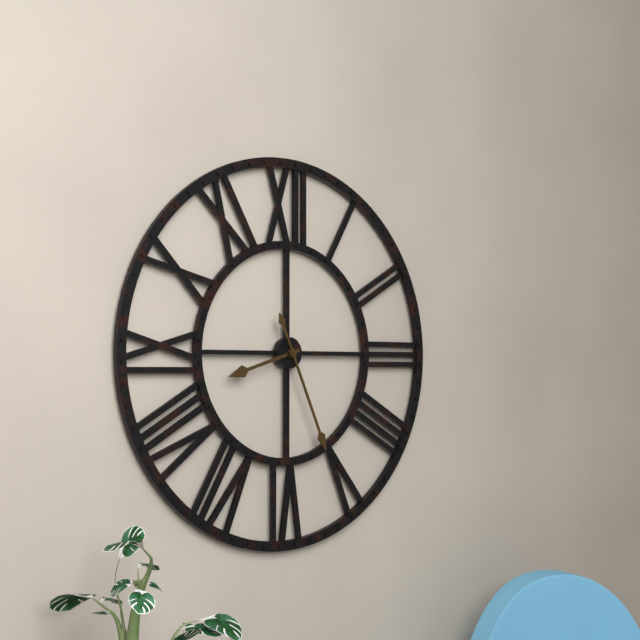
8.26
